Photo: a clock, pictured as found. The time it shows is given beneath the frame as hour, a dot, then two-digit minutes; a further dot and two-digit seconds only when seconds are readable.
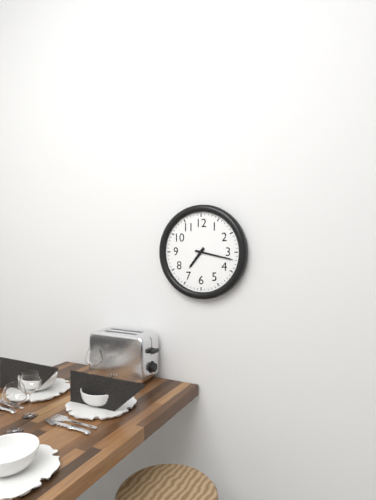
7.17
